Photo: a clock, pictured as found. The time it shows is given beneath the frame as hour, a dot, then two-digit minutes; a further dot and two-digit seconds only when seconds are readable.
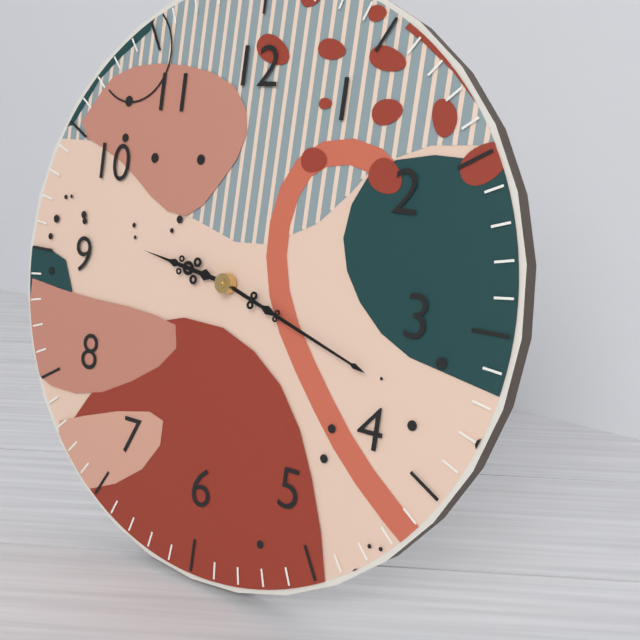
9.18
